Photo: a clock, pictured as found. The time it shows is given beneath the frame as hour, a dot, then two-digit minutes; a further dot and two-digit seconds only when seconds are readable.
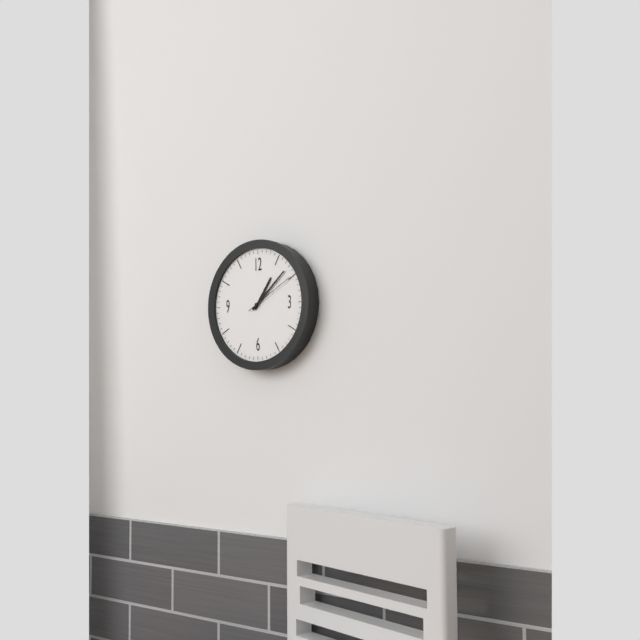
1.08.10
